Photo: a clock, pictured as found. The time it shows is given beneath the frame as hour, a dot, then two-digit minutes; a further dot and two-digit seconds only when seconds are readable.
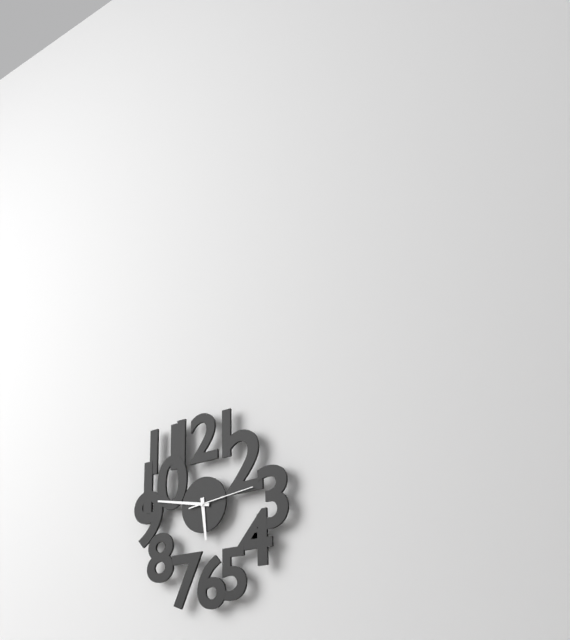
5.47.14
